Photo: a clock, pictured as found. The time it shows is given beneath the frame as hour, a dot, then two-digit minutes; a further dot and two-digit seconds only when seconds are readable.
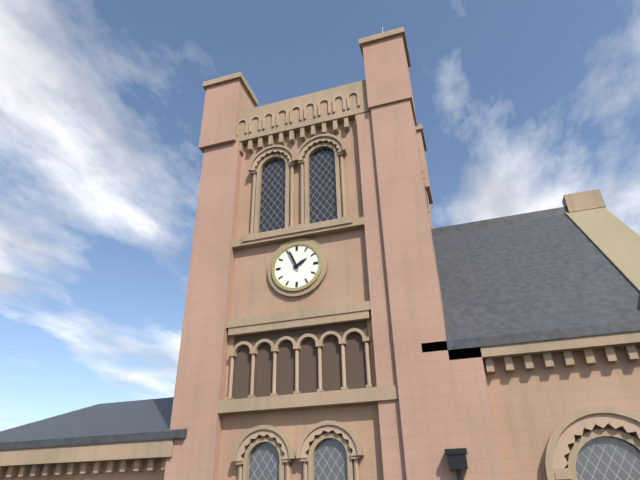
1.56
